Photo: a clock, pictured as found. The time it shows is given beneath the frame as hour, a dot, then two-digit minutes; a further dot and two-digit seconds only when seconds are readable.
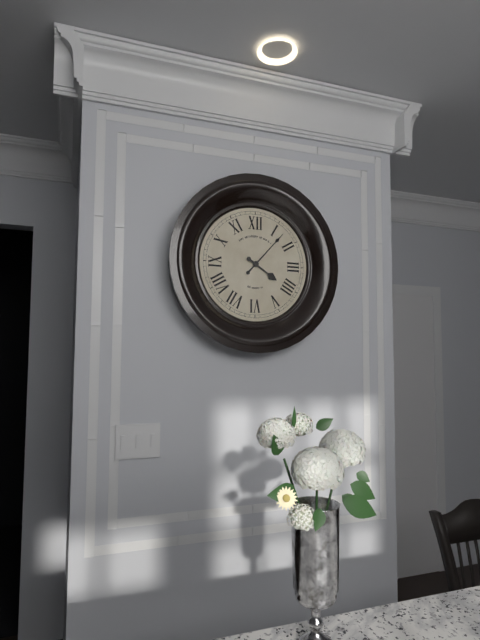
4.07
